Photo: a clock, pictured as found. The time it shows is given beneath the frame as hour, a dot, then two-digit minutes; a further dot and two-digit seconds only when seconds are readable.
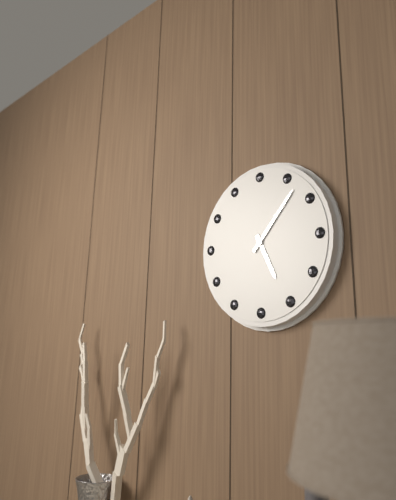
5.07
